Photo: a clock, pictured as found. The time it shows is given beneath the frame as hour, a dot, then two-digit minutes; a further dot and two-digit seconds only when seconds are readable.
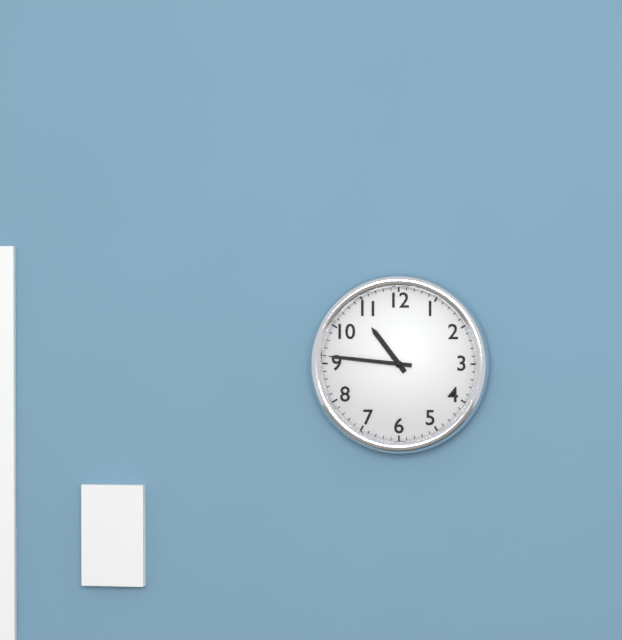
10.46
